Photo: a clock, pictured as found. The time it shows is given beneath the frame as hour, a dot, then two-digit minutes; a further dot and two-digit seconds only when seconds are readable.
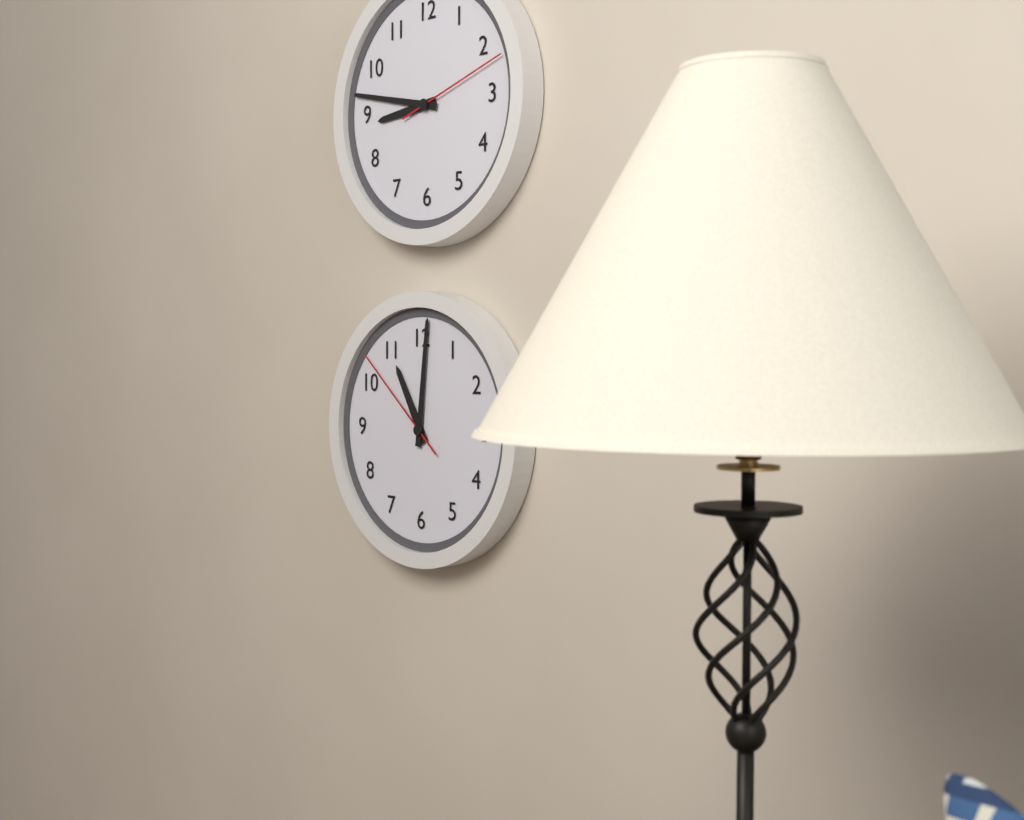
11.01.52
